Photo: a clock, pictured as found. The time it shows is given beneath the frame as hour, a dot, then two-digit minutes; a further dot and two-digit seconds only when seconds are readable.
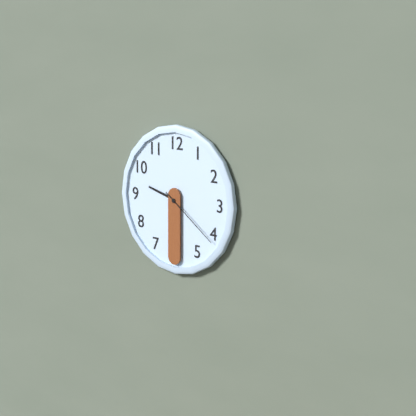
9.30.21
